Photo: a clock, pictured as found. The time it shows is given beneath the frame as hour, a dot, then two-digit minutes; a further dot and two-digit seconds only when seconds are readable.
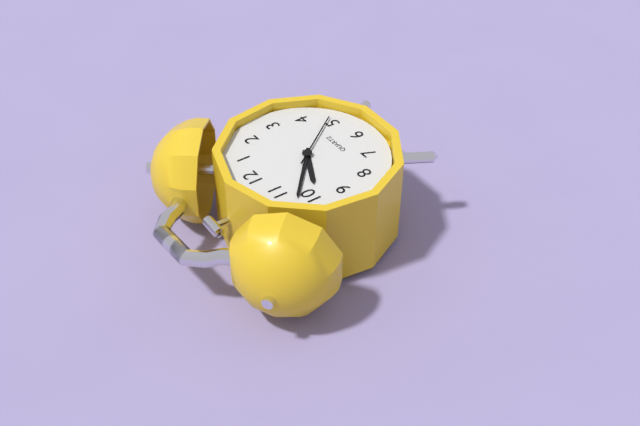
9.52.24
